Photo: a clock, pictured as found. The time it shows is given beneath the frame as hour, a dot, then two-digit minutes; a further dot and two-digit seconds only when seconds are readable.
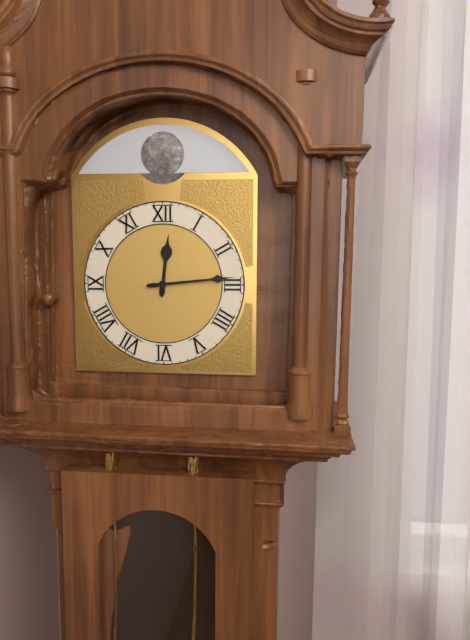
12.14
